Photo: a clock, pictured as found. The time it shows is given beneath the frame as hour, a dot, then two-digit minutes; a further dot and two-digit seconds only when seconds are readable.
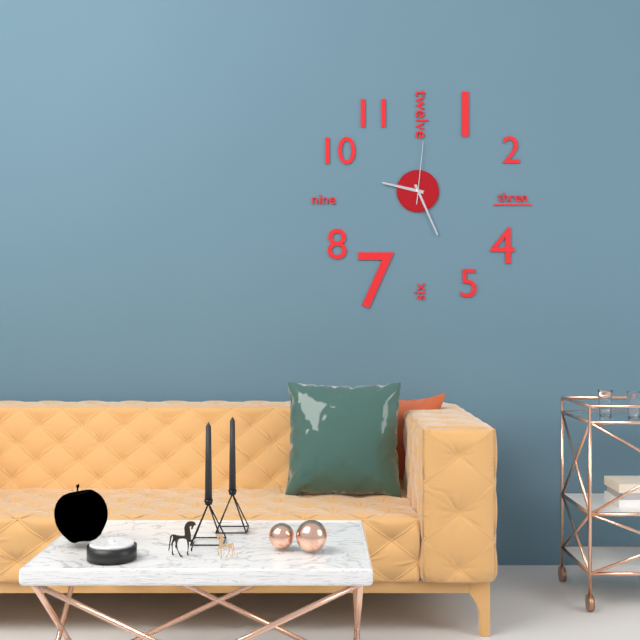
9.26.01
